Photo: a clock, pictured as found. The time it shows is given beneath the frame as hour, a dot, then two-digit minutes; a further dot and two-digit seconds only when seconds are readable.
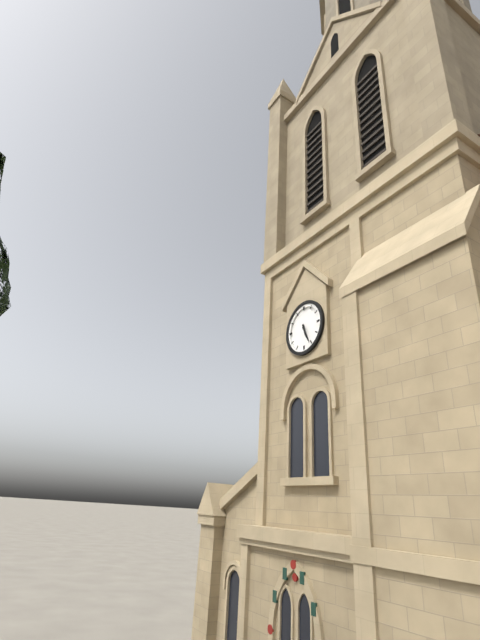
5.26
